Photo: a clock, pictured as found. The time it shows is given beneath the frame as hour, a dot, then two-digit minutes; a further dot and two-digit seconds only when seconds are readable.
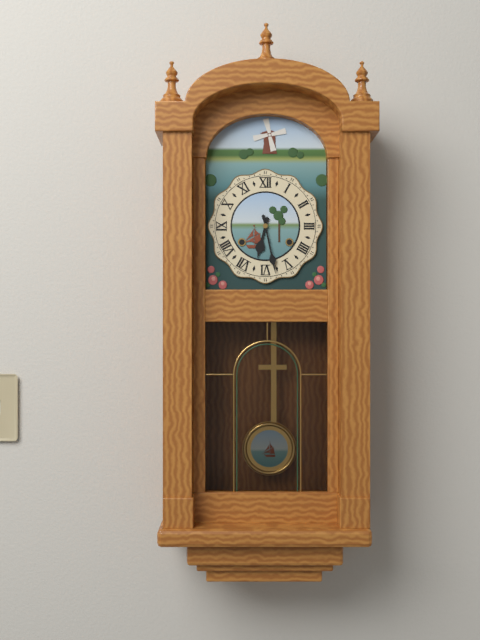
6.28
